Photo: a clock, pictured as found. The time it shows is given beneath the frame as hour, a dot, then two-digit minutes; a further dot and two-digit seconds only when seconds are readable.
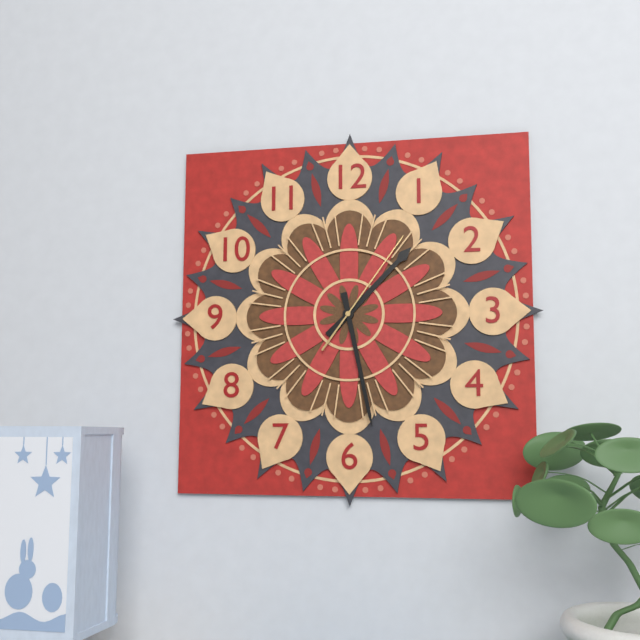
1.28.06
